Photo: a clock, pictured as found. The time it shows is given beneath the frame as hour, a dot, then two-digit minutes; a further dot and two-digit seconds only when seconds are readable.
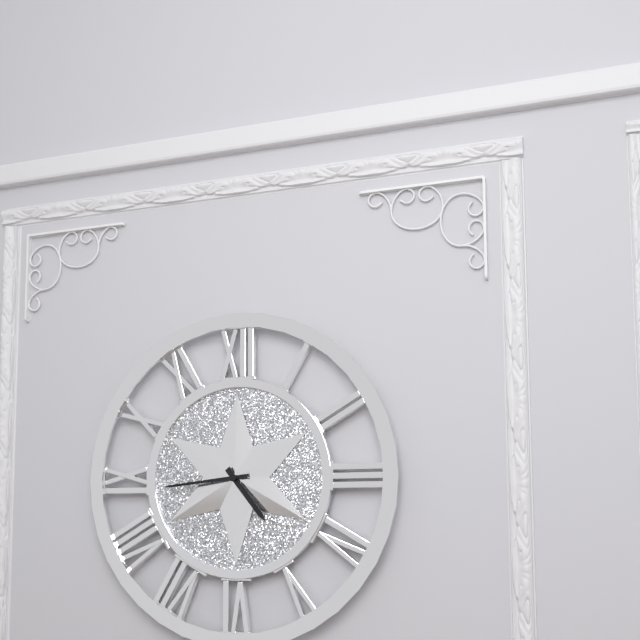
4.44
